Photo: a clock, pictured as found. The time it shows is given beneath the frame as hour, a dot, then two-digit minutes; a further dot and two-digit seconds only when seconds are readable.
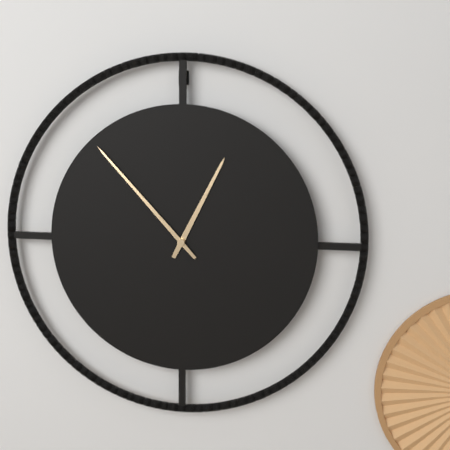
12.53
